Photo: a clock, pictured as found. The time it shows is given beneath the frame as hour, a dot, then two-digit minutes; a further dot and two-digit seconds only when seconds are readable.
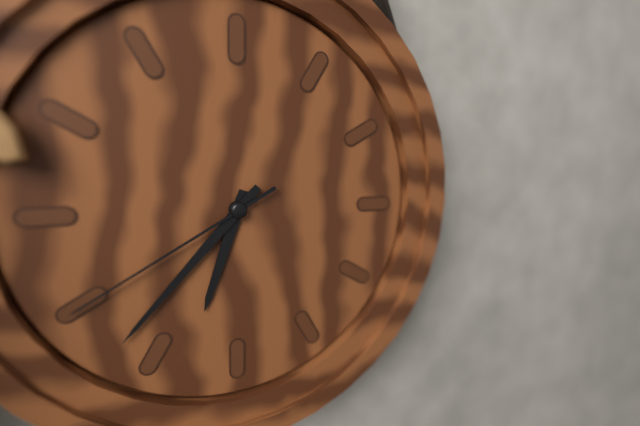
6.37.40
